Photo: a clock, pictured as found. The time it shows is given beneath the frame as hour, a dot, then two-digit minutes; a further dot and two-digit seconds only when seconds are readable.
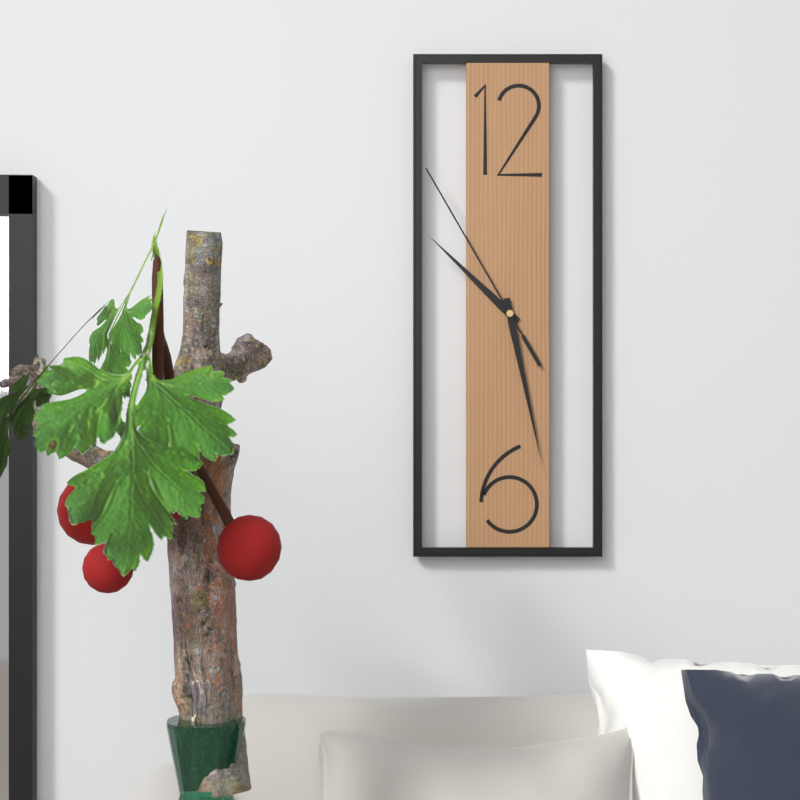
10.28.55
